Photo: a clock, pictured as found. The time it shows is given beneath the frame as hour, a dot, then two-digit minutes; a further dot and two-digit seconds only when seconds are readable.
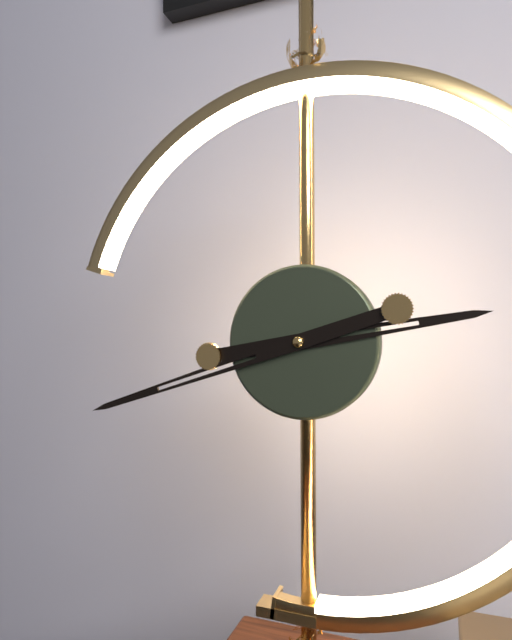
2.42
